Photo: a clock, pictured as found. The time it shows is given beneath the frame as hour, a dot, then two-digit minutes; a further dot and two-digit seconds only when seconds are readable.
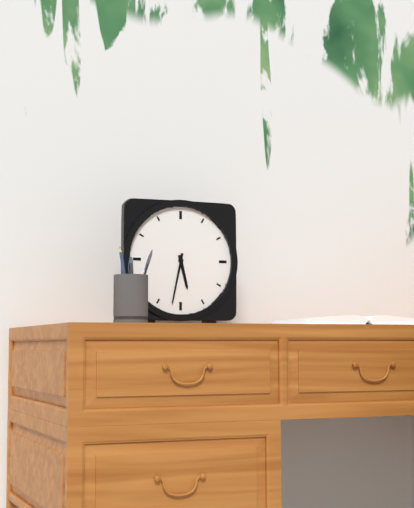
5.32
